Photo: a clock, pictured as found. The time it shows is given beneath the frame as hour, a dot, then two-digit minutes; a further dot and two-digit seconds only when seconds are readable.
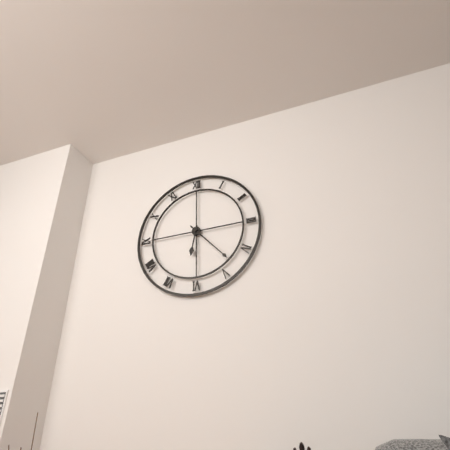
6.23
